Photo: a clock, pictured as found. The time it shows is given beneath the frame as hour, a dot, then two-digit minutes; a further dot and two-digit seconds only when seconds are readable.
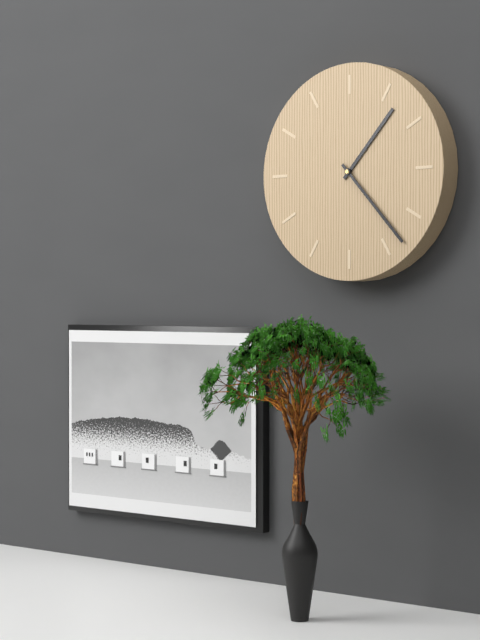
1.23
